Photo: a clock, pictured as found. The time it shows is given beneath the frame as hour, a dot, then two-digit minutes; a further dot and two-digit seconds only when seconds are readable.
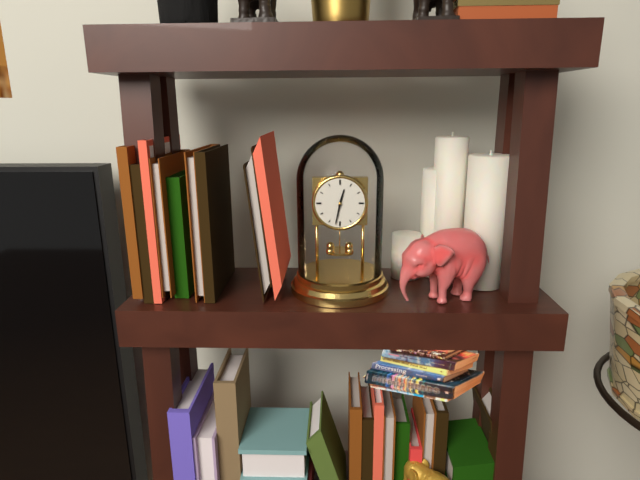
12.32
